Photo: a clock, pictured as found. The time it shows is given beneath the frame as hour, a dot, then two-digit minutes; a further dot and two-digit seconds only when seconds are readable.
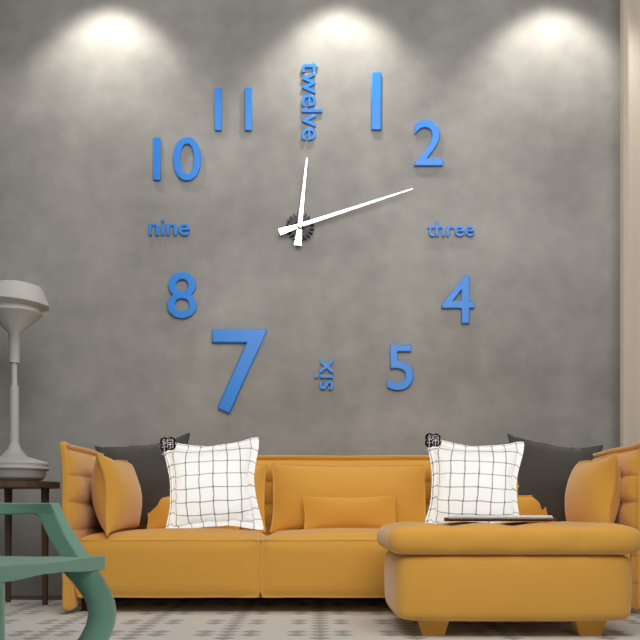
12.12
